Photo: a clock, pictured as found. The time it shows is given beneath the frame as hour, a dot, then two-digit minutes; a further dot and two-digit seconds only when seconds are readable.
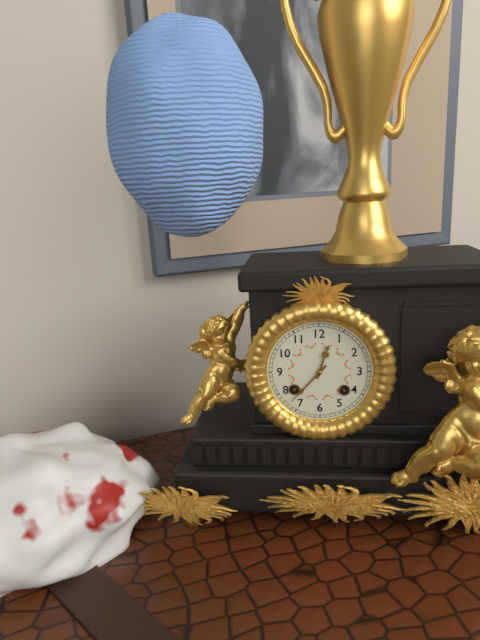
12.37
